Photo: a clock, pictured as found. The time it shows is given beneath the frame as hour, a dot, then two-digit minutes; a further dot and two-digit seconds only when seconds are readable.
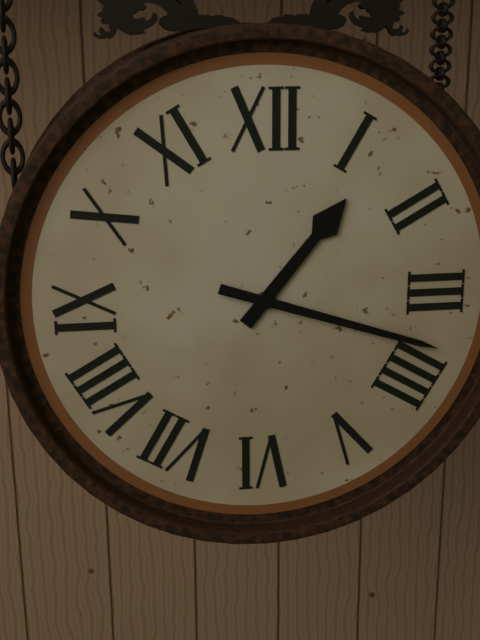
1.18
